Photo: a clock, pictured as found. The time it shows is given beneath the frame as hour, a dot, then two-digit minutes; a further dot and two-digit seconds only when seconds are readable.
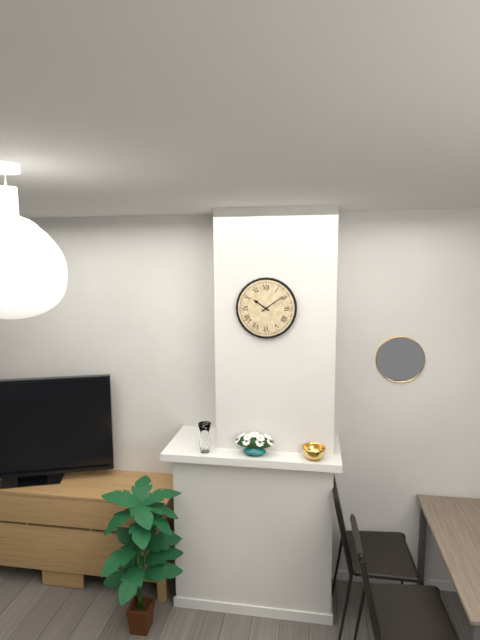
10.09
